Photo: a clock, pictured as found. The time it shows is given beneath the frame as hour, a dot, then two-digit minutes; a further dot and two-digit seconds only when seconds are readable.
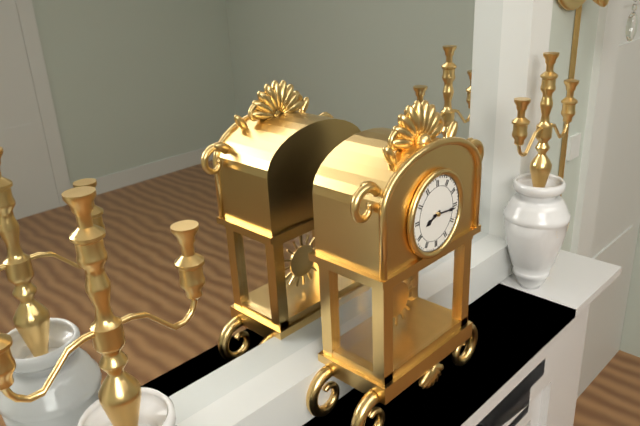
8.16
